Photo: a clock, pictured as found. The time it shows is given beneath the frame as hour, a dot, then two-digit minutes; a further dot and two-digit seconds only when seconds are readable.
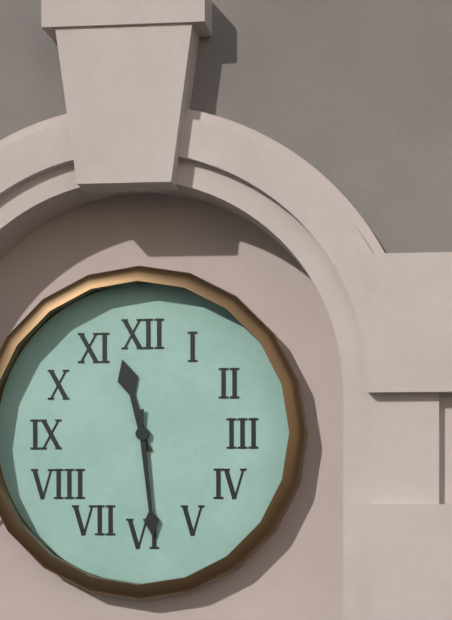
11.29
